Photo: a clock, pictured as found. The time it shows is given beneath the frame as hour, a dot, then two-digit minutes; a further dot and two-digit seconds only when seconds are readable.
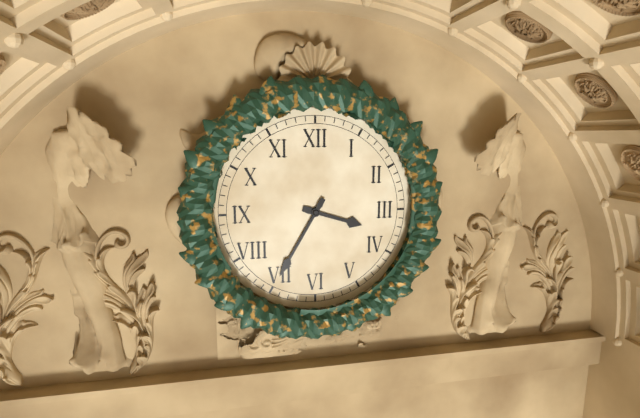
3.35
